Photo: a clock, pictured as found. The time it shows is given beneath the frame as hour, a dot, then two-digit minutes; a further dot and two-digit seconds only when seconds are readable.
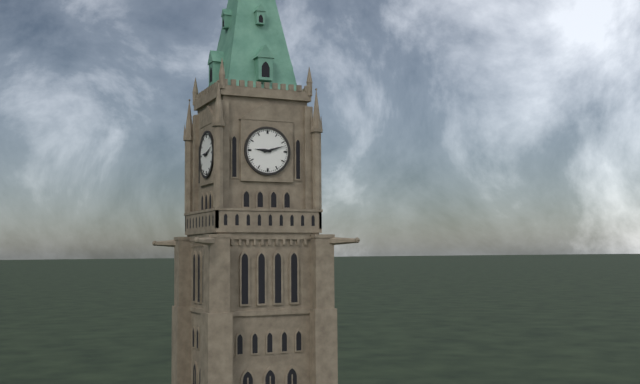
9.12
